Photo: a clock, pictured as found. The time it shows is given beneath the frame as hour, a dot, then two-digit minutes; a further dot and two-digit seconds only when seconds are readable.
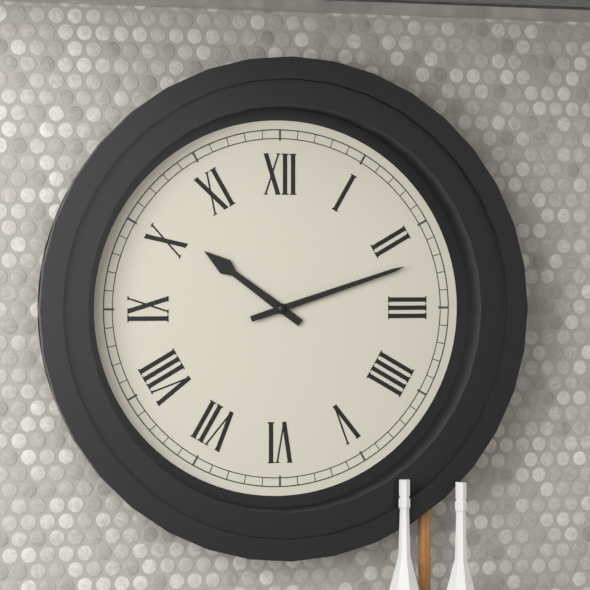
10.12
